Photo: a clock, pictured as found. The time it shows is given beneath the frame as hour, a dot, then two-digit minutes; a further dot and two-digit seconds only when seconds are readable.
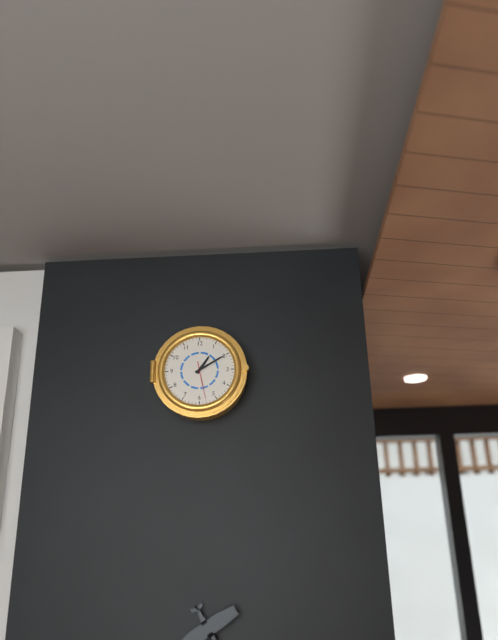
1.10
